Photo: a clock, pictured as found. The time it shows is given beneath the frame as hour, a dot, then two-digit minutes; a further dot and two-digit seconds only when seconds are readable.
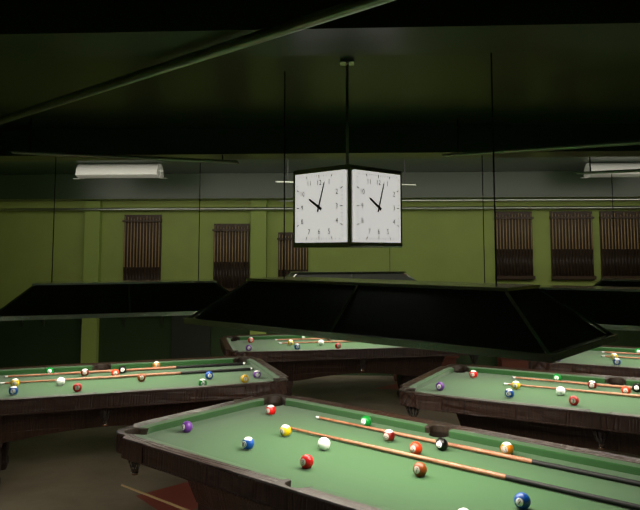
10.03
